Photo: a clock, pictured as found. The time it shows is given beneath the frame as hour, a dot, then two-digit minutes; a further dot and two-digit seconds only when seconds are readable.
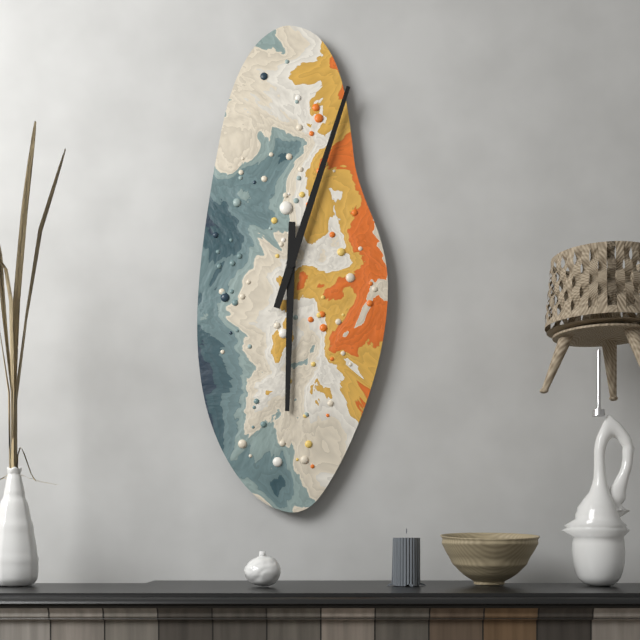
6.03
